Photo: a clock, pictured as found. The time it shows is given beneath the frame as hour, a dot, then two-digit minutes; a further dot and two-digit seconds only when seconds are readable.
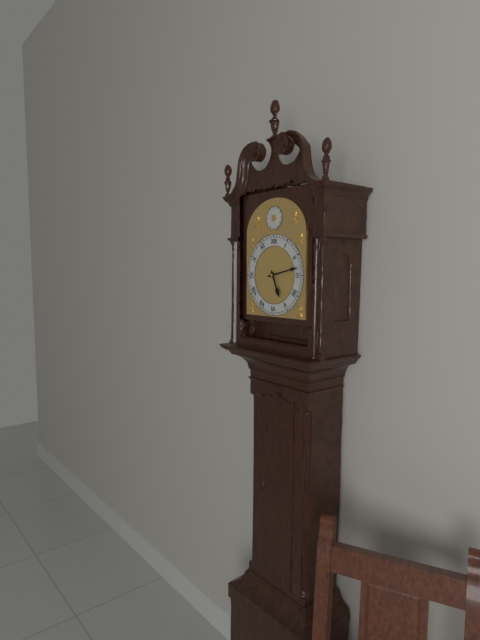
5.13
